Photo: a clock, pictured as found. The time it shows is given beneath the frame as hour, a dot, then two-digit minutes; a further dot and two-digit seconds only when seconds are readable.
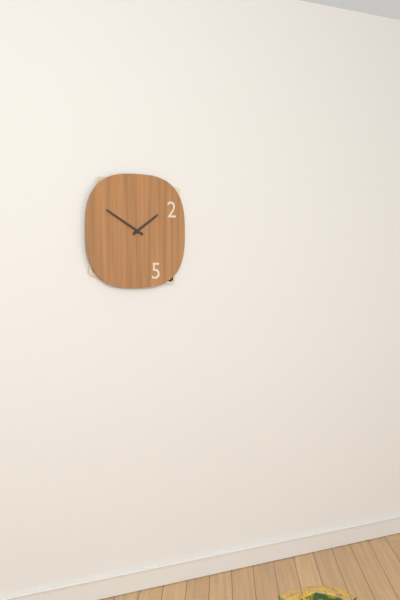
1.50
